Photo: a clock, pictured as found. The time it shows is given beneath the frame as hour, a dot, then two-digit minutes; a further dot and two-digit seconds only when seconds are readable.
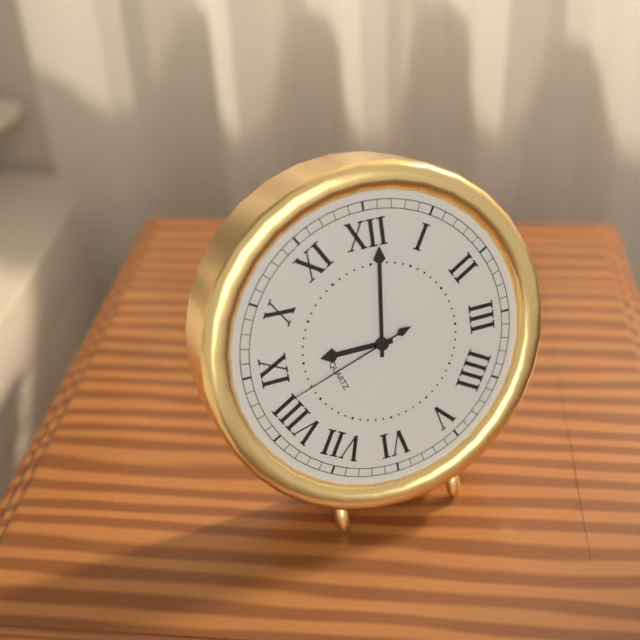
9.01.42
